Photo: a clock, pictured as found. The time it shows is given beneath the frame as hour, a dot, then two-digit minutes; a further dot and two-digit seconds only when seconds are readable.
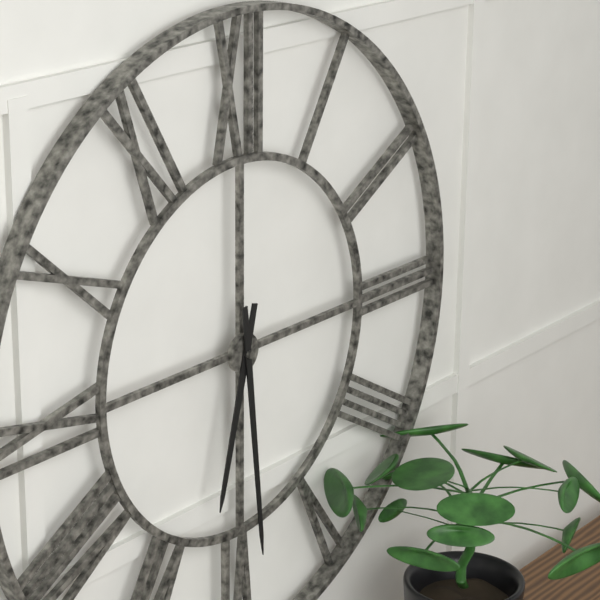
6.29
